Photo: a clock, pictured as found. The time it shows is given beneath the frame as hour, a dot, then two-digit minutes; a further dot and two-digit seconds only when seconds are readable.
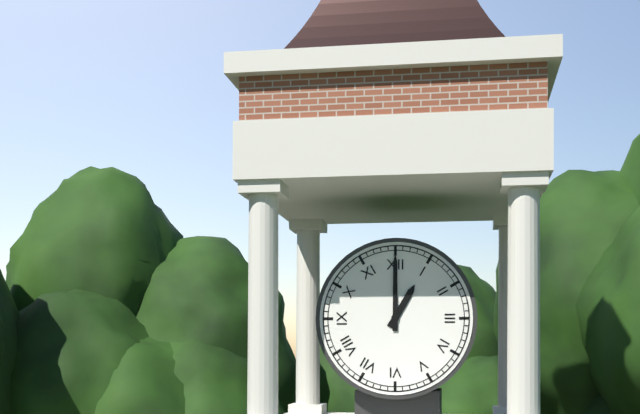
1.00
